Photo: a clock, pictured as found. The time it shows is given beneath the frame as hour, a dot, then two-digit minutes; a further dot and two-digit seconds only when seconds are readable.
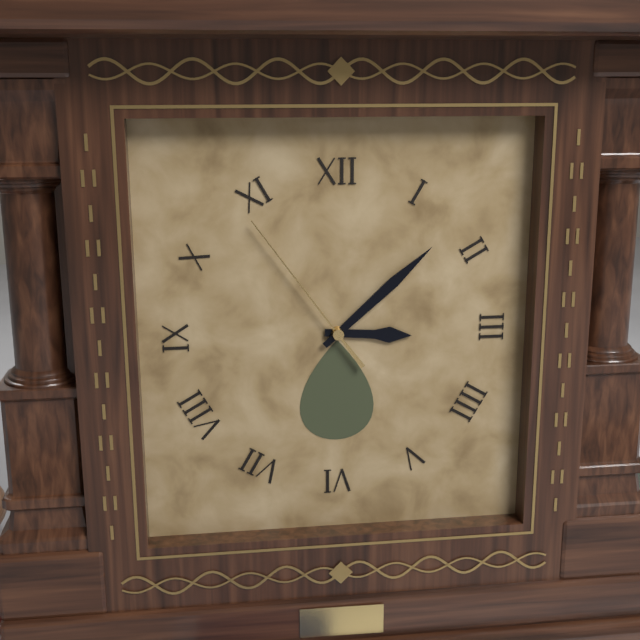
3.08.54
